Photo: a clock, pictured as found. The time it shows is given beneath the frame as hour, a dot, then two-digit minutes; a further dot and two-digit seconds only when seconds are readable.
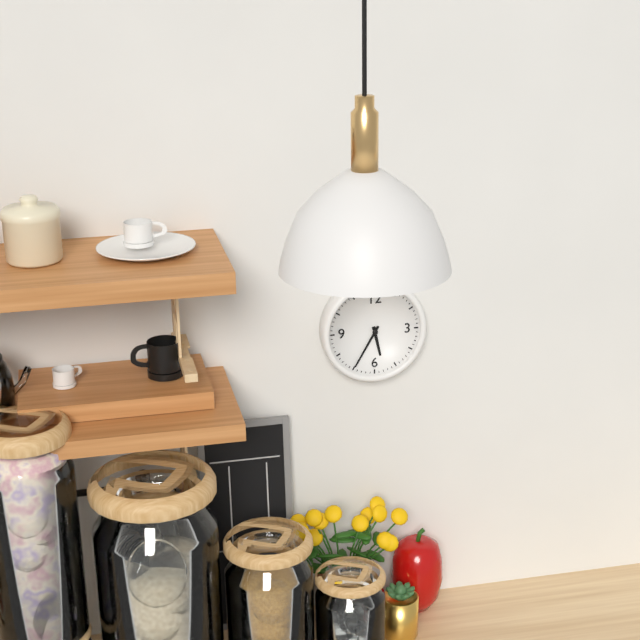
5.35
